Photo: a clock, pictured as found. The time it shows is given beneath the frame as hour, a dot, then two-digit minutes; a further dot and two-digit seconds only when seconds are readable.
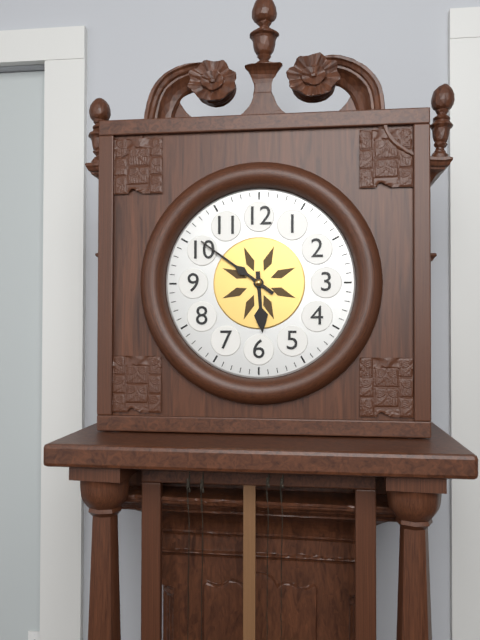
5.51
